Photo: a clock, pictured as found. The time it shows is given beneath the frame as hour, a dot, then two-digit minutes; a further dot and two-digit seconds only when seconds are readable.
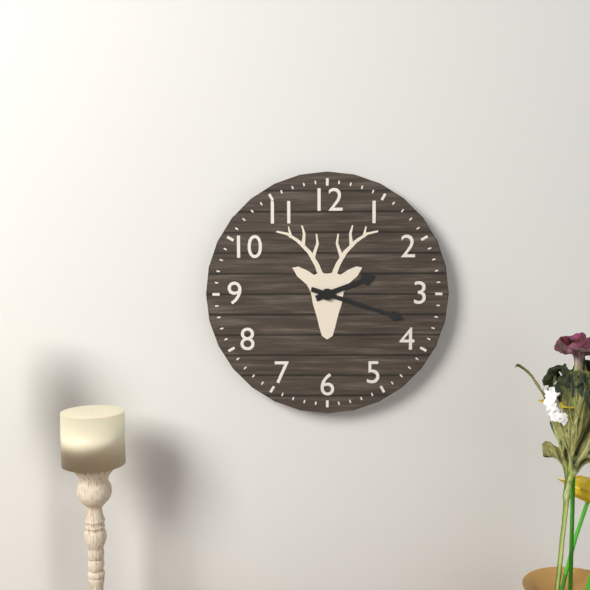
2.18
